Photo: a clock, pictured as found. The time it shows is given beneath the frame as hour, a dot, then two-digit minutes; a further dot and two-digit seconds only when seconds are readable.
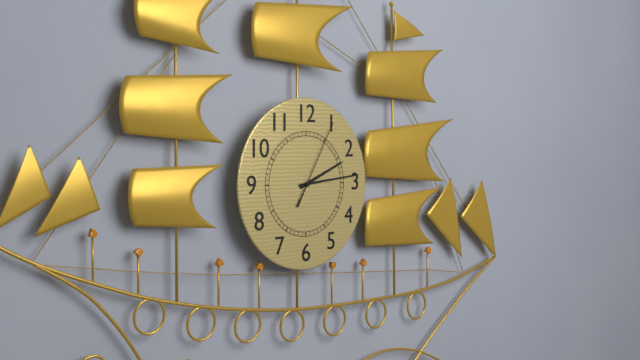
2.14.05
